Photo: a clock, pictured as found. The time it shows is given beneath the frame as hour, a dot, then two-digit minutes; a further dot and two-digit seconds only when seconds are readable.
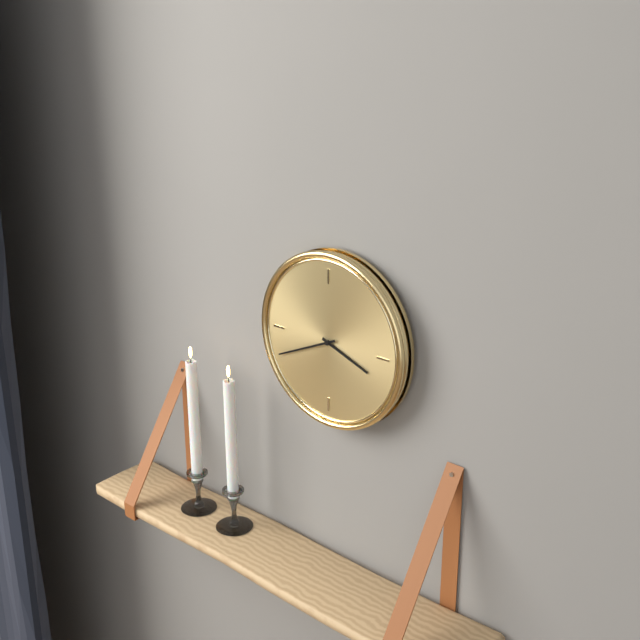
3.41
